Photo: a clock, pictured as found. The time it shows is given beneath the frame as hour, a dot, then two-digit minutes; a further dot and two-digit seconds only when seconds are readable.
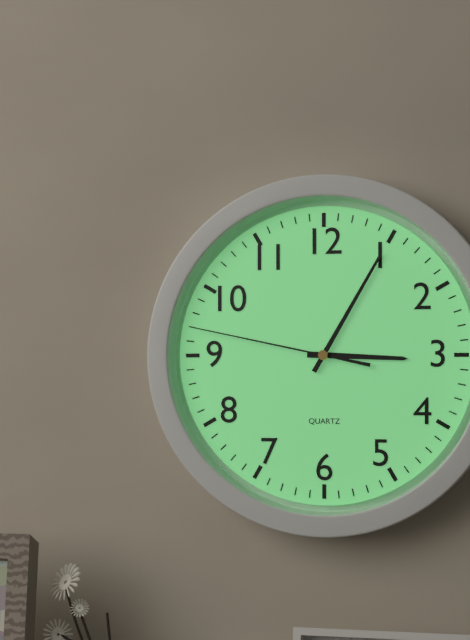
3.05.47
